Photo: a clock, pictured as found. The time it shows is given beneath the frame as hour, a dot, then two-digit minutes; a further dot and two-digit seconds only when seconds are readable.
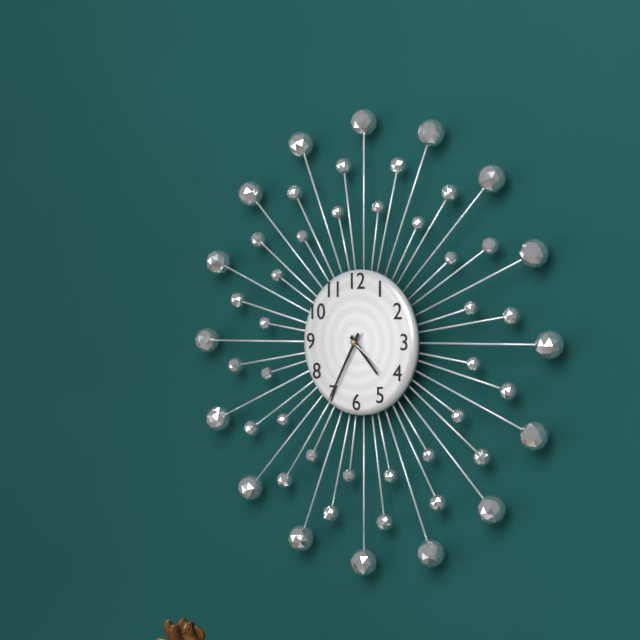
4.35.21
